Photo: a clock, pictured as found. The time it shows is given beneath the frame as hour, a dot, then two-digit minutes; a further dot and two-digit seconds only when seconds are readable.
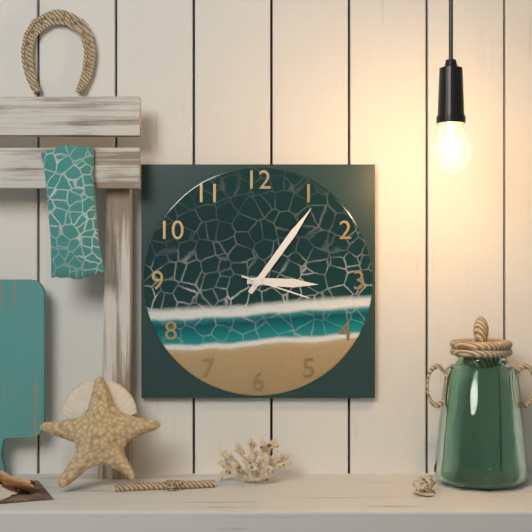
3.06.18
